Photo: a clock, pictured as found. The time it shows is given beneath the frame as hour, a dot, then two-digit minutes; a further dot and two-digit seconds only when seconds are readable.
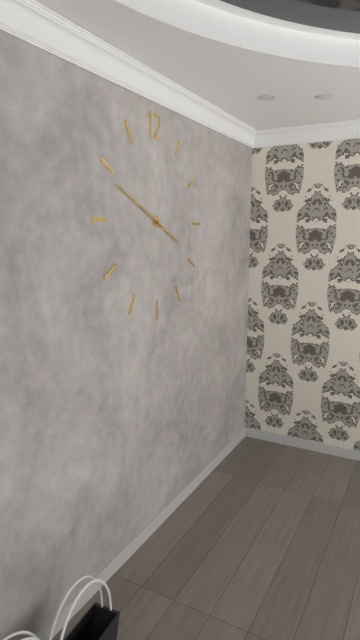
3.49
